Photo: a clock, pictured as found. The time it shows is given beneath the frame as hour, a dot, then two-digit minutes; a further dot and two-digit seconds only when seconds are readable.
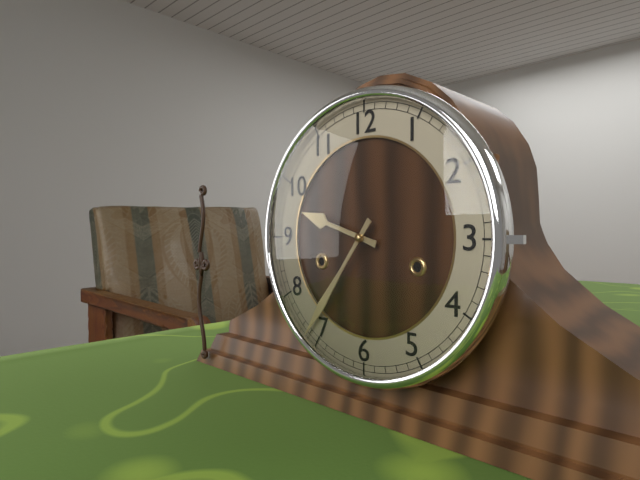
9.36
